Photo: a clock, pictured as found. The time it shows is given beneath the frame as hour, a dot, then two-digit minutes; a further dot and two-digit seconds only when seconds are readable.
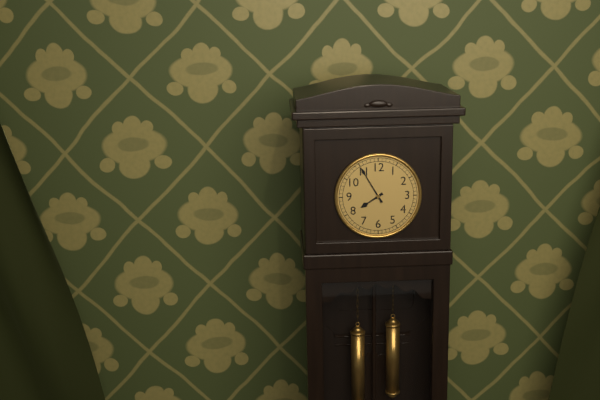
7.55
